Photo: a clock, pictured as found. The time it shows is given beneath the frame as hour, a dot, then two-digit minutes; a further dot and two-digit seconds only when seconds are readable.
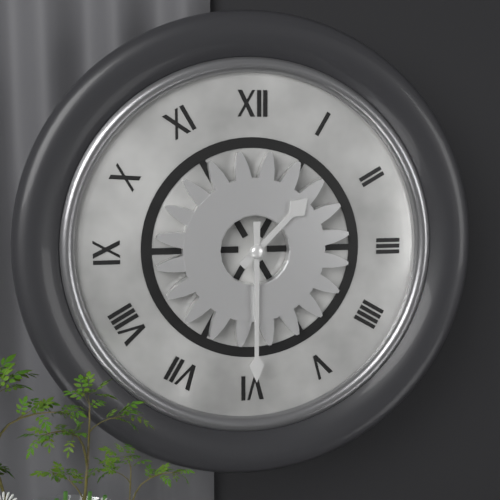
1.30
